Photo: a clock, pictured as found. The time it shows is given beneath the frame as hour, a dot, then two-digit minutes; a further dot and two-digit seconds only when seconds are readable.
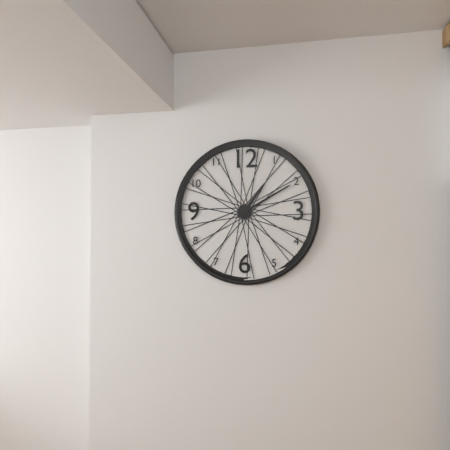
1.10
